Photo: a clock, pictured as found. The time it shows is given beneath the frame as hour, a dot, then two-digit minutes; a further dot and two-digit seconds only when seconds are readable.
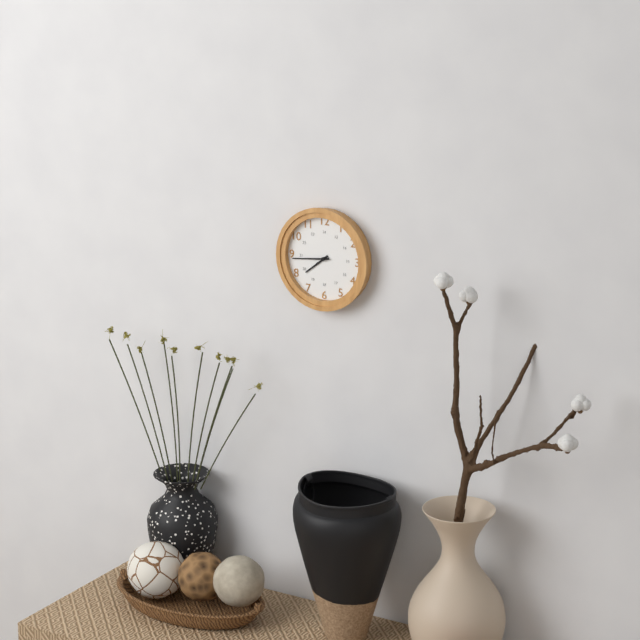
7.44
